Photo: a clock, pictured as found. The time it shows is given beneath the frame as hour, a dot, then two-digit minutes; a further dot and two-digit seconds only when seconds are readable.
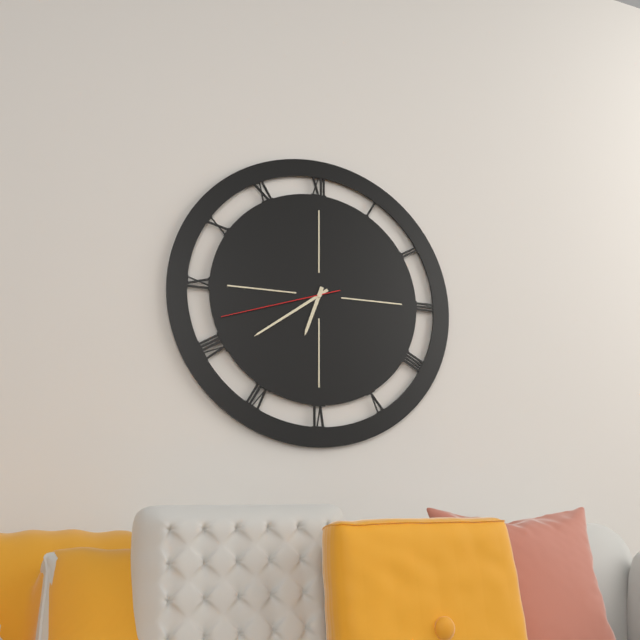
6.39.42
